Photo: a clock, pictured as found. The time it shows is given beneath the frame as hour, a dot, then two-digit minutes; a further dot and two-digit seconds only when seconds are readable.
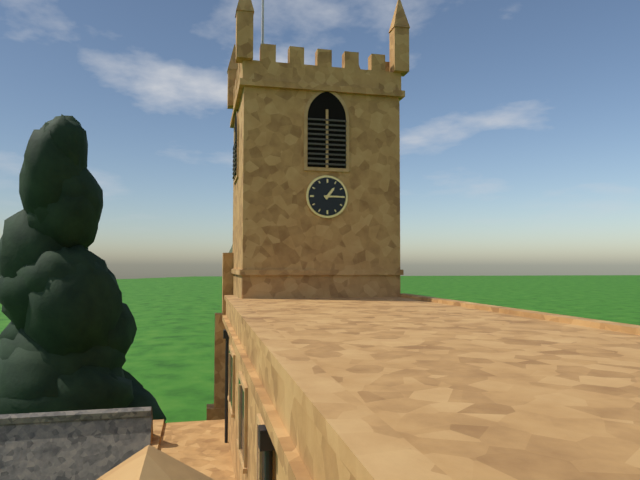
1.15
